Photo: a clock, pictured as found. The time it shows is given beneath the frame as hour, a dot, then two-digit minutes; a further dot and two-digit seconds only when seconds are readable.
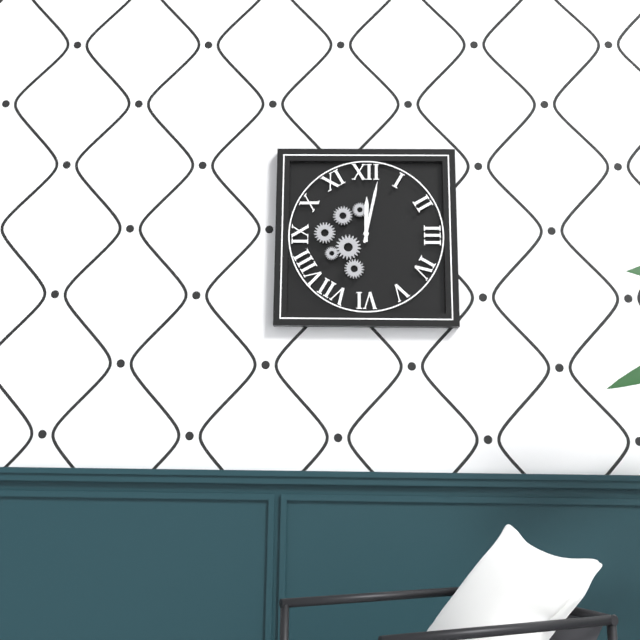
12.02
